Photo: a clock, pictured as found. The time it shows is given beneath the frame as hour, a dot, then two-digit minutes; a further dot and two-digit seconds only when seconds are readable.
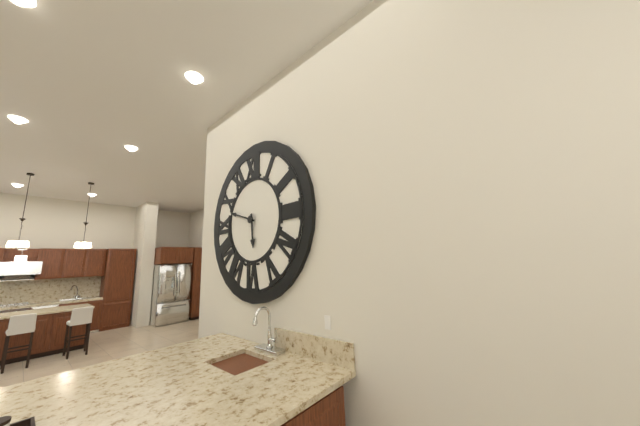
5.48
